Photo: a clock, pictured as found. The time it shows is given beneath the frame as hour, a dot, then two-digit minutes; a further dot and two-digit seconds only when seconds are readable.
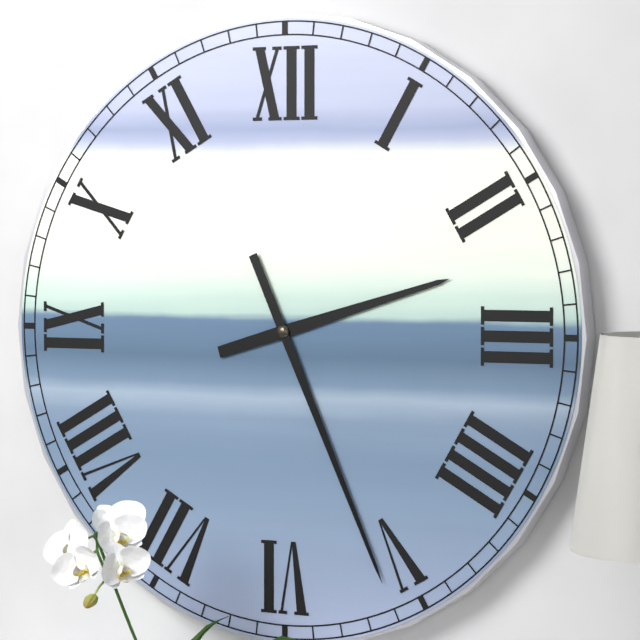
2.26
